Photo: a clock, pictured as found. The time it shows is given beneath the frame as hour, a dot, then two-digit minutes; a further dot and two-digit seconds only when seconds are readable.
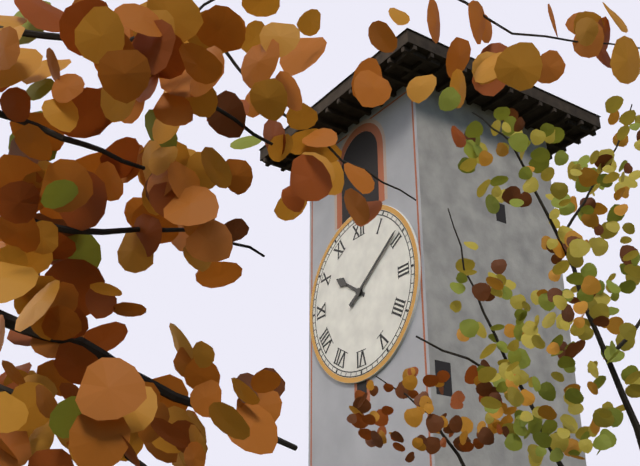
10.09
